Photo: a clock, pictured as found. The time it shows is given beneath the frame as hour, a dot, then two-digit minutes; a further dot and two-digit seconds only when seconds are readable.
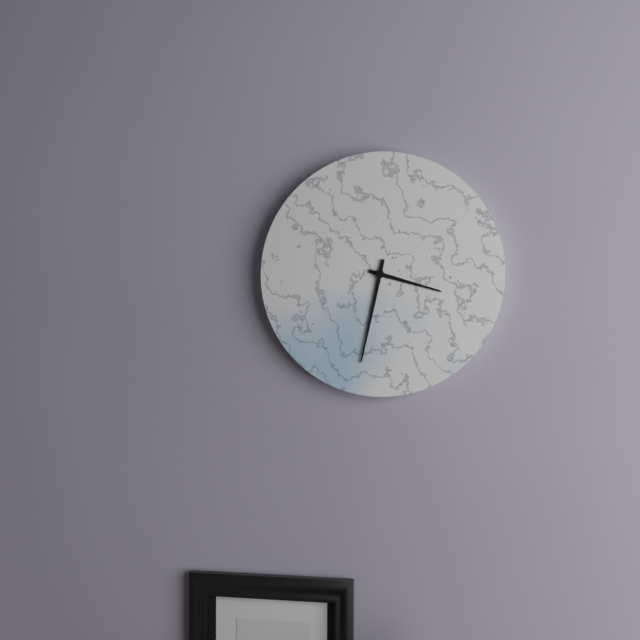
3.32
